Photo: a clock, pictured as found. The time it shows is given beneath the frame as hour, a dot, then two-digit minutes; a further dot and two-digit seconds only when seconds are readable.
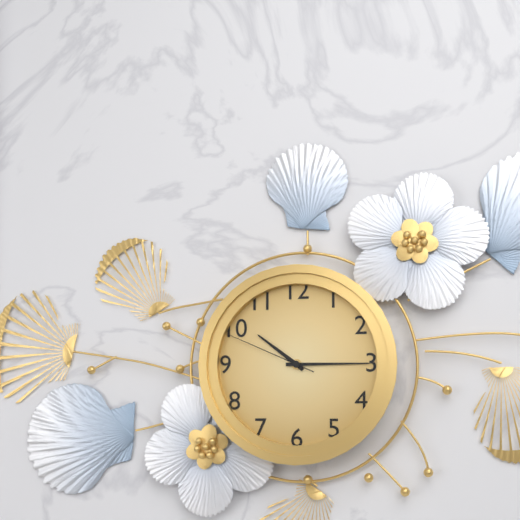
10.15.49
